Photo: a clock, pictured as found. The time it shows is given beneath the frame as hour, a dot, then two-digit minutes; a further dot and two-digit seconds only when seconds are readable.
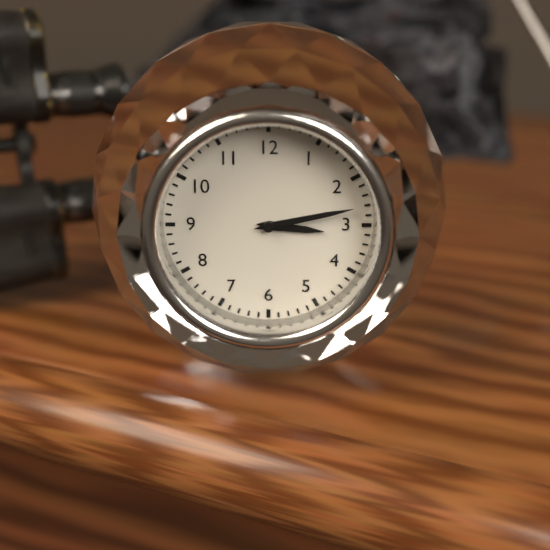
3.13
